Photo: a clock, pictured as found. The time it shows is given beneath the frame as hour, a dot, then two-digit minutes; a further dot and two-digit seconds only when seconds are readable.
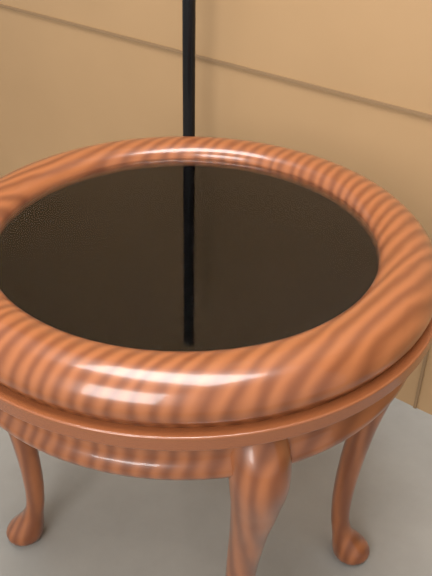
5.18
